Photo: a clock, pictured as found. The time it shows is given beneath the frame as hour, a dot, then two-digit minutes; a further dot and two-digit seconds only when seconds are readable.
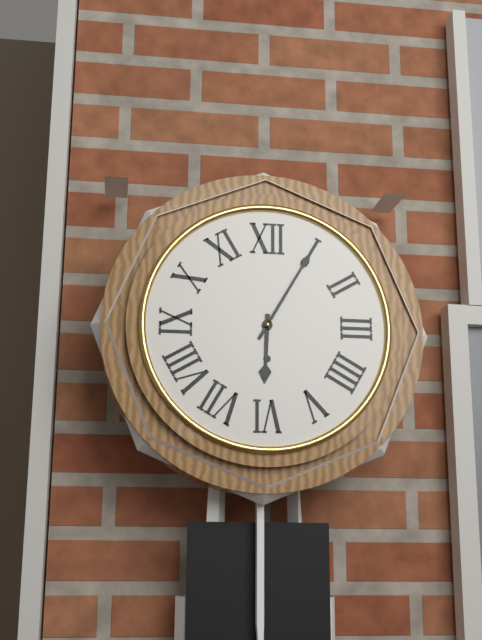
6.05
